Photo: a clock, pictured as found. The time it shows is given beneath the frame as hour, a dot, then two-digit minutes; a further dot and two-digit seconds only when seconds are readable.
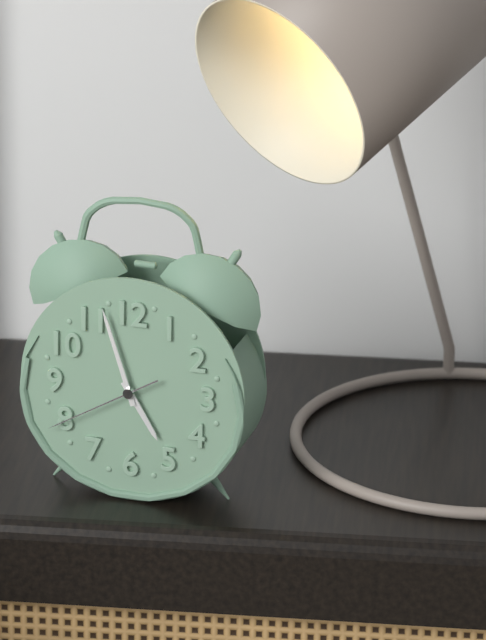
4.57.40
